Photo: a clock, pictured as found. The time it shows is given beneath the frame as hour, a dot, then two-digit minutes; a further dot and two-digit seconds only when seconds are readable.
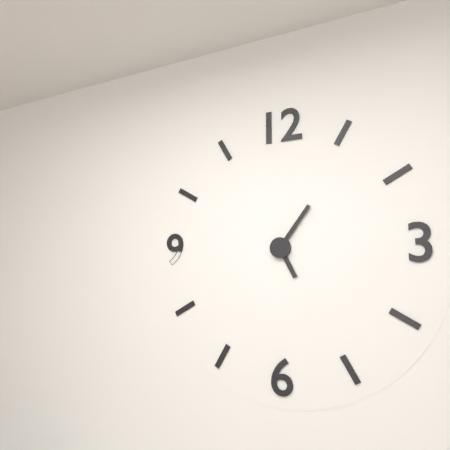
5.06
